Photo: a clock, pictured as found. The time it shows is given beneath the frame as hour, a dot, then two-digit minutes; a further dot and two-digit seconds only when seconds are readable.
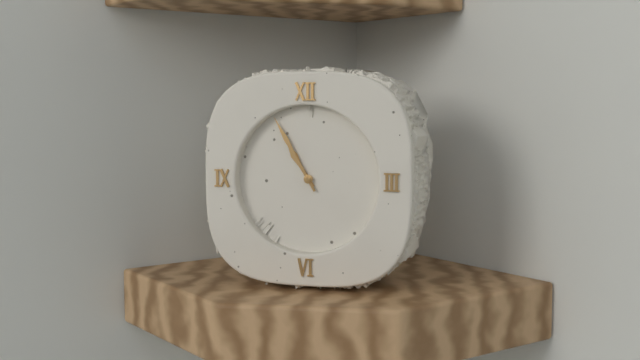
10.55
